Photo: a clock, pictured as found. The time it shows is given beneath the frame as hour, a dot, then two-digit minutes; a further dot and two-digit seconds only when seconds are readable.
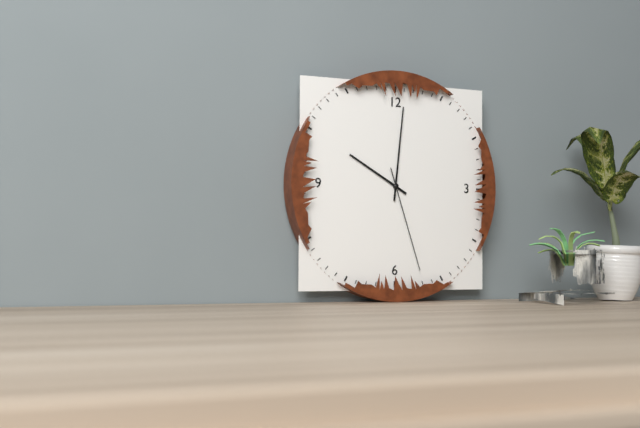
10.01.27
